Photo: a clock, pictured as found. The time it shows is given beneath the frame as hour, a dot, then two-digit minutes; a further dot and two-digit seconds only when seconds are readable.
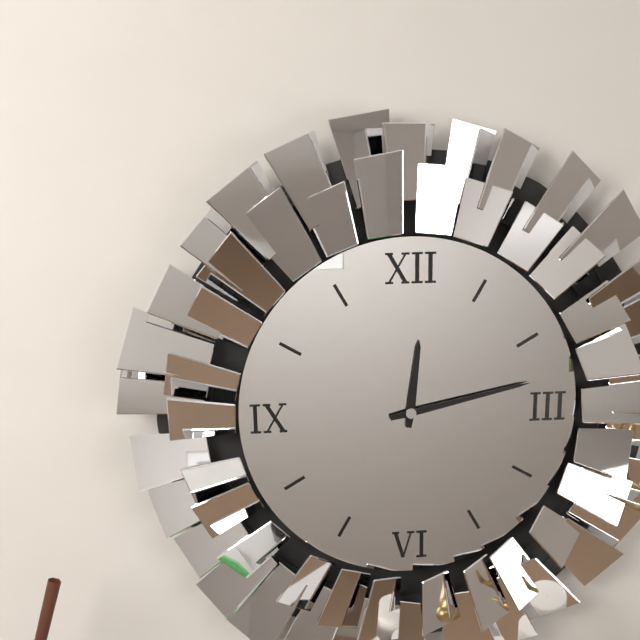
12.13
